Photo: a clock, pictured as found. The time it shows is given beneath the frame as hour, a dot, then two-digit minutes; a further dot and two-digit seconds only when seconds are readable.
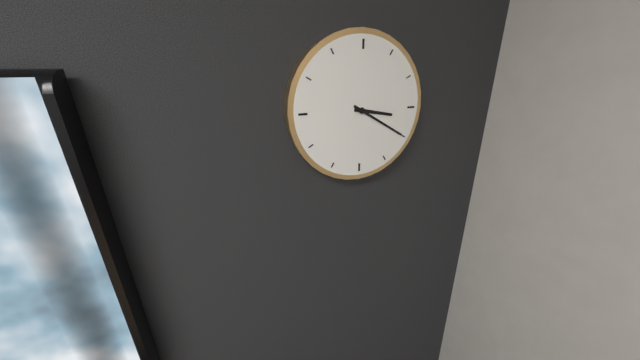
3.20
